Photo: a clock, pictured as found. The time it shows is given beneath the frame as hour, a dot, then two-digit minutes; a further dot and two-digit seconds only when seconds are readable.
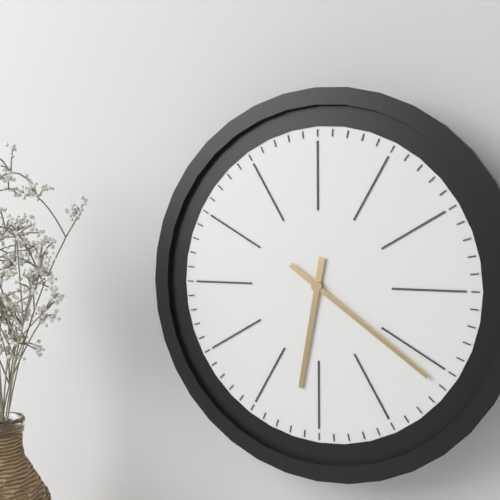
6.21
